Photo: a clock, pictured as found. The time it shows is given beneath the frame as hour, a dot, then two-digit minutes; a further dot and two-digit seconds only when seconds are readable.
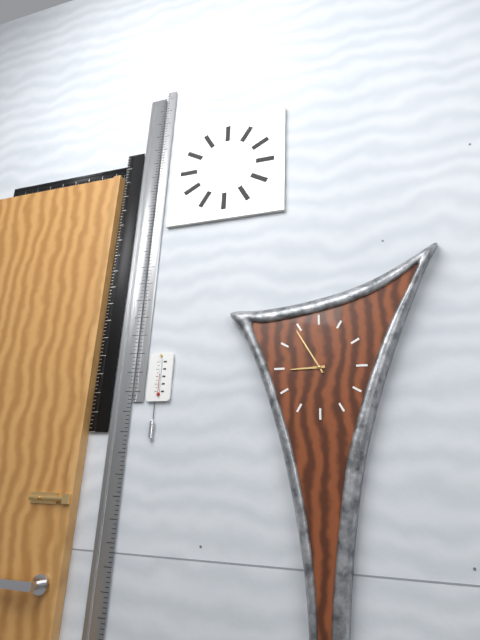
8.55
